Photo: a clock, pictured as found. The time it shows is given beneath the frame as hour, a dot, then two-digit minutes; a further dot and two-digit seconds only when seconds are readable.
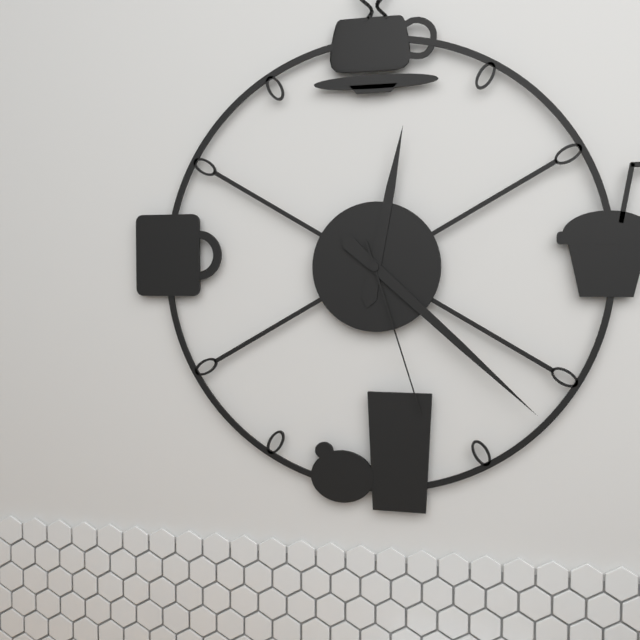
12.22.27
